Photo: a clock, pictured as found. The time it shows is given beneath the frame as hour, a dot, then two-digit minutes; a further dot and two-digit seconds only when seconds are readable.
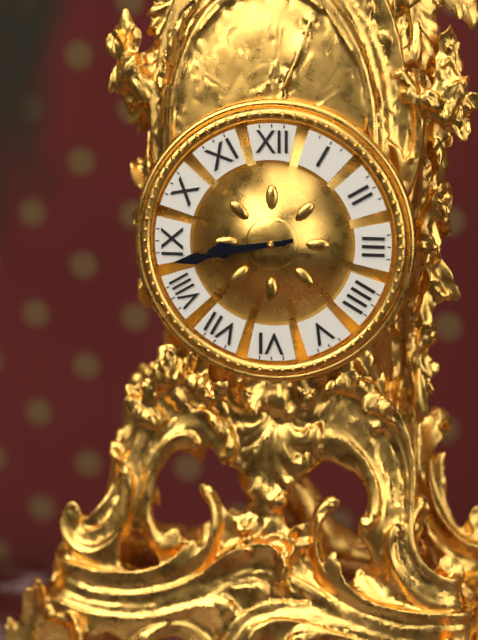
8.43
